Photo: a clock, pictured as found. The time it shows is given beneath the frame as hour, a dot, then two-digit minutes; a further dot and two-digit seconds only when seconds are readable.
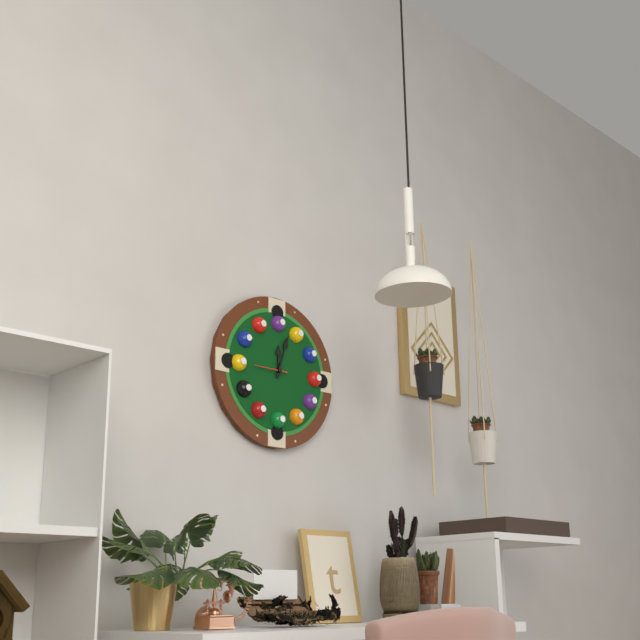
12.03
